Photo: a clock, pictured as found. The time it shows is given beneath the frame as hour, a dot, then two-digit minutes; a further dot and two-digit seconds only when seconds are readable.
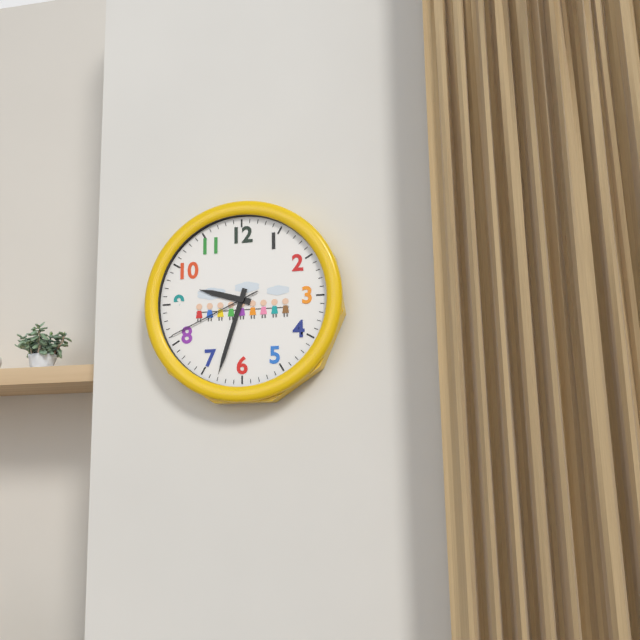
9.33.41
